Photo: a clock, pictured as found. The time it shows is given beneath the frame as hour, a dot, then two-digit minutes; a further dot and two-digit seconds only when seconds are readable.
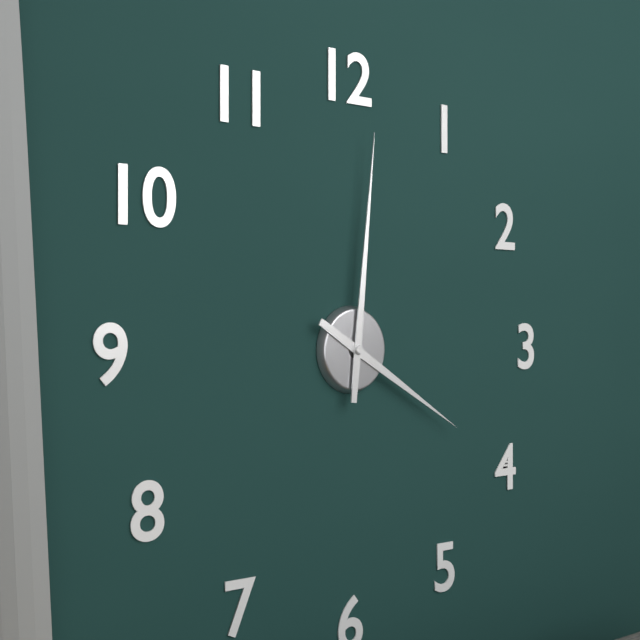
4.01
